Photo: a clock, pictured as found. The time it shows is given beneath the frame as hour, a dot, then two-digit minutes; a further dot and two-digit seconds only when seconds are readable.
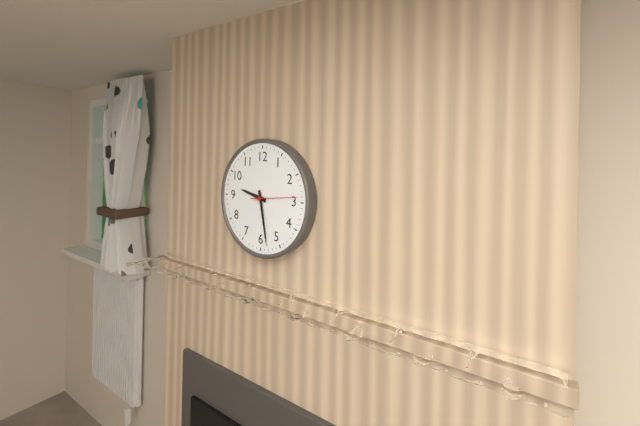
9.28
